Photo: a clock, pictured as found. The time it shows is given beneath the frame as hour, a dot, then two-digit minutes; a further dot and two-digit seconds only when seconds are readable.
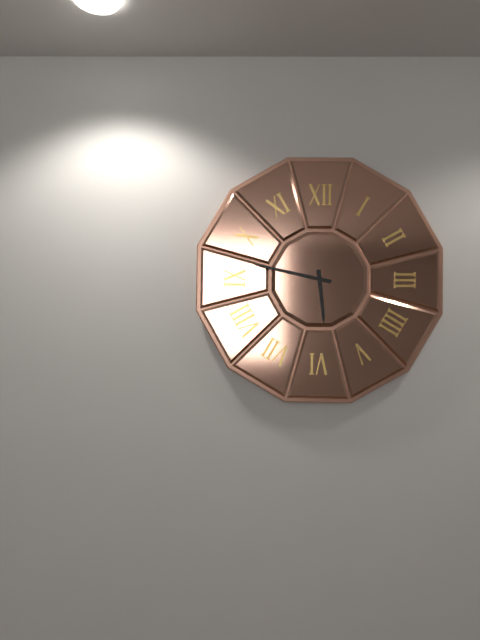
5.47
